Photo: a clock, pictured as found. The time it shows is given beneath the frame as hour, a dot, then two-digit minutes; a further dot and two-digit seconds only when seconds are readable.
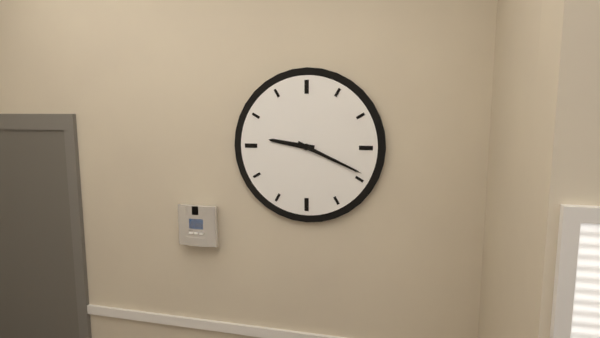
9.19
